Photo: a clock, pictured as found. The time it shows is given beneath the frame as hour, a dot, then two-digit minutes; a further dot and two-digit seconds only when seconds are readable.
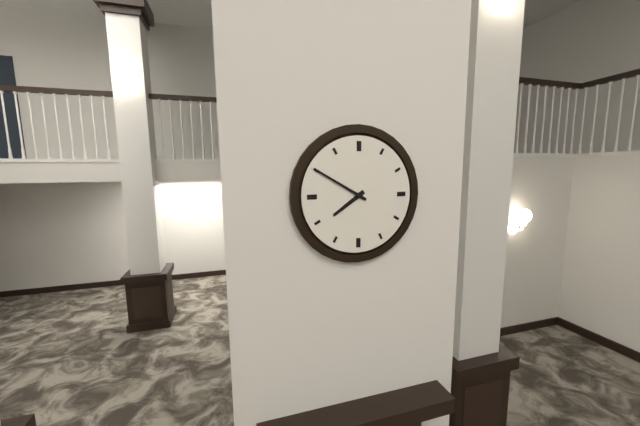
7.50
